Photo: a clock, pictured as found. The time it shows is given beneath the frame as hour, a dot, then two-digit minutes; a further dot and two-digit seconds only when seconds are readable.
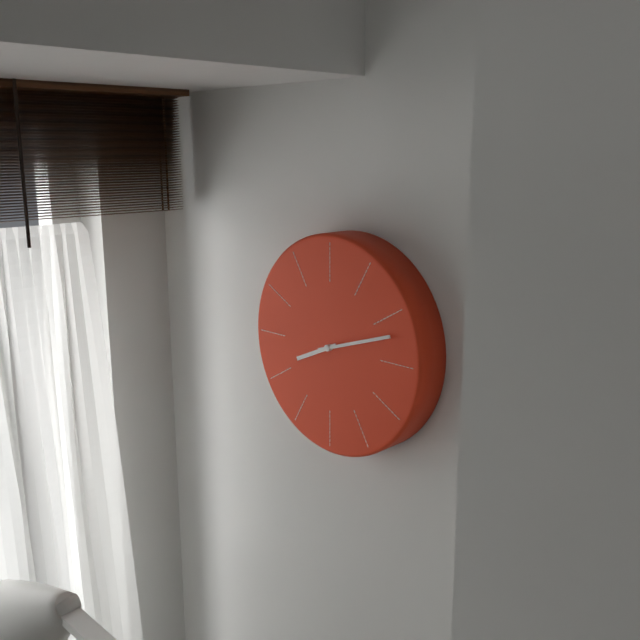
8.12
